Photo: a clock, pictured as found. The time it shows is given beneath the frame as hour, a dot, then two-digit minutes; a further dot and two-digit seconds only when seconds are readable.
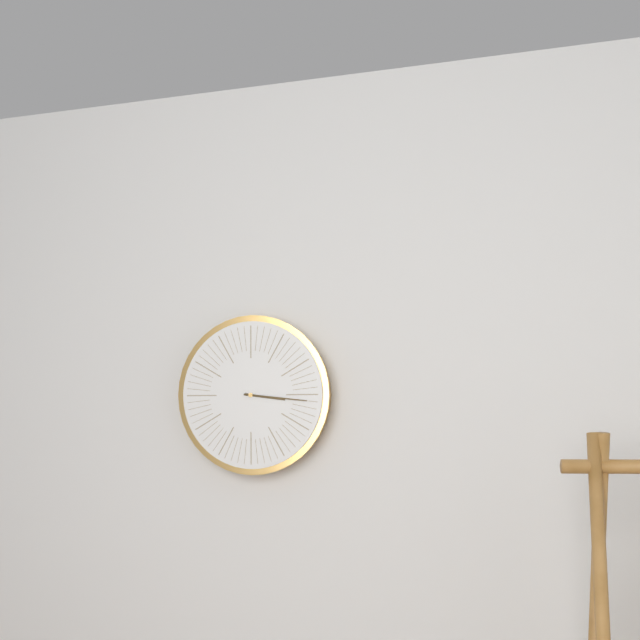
3.16
